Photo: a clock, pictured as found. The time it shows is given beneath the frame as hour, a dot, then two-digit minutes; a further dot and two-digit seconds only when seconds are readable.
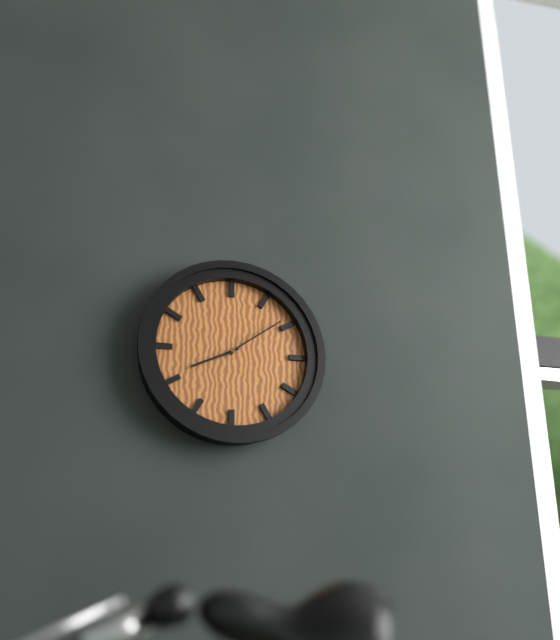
8.09
